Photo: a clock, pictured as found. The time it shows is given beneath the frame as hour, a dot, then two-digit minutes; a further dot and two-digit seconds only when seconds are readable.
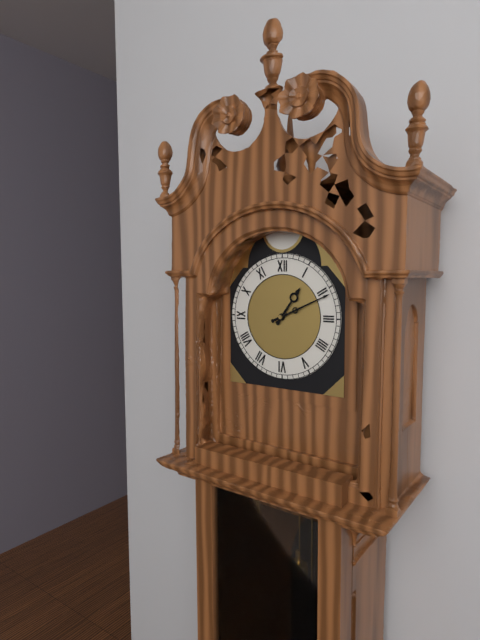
1.11
